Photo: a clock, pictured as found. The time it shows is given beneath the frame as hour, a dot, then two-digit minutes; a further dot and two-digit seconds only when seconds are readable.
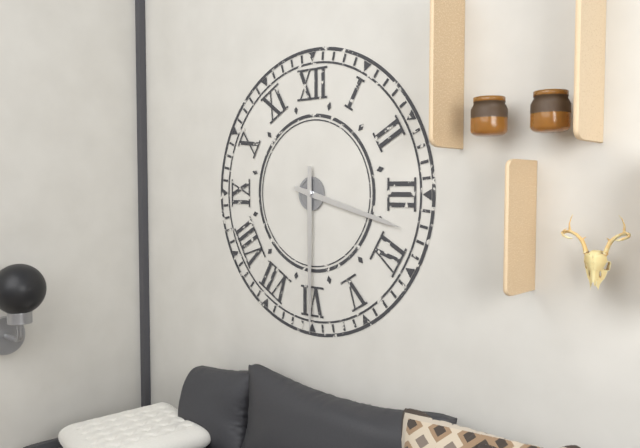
3.30
